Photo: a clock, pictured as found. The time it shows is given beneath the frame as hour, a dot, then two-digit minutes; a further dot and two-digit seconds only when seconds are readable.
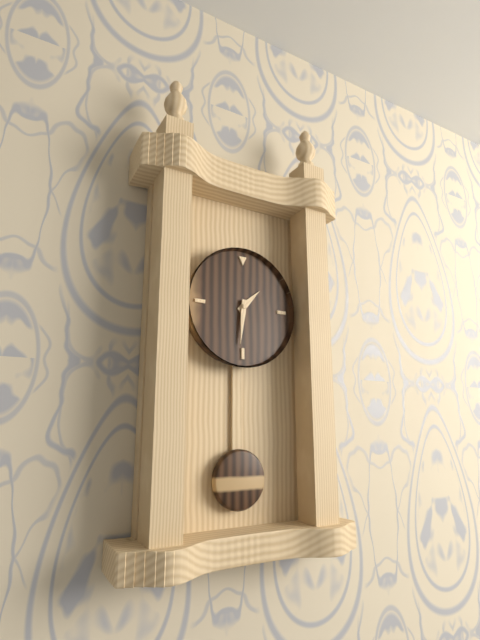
1.31
